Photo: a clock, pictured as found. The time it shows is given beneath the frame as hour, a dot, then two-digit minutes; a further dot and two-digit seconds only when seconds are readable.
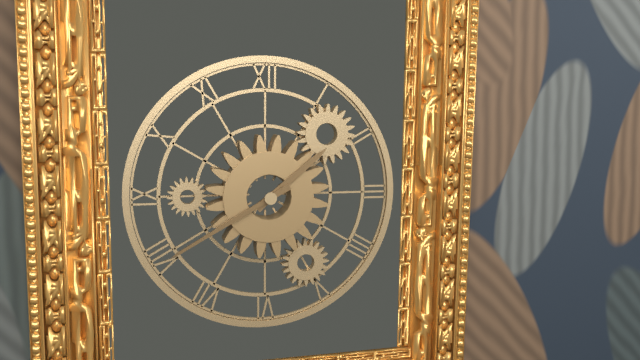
1.40
